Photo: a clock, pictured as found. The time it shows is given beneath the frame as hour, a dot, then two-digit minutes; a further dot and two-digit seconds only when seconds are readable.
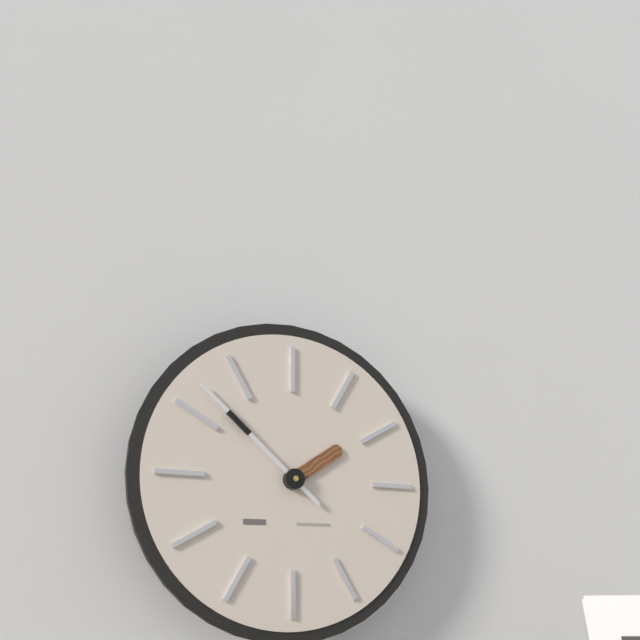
1.52
